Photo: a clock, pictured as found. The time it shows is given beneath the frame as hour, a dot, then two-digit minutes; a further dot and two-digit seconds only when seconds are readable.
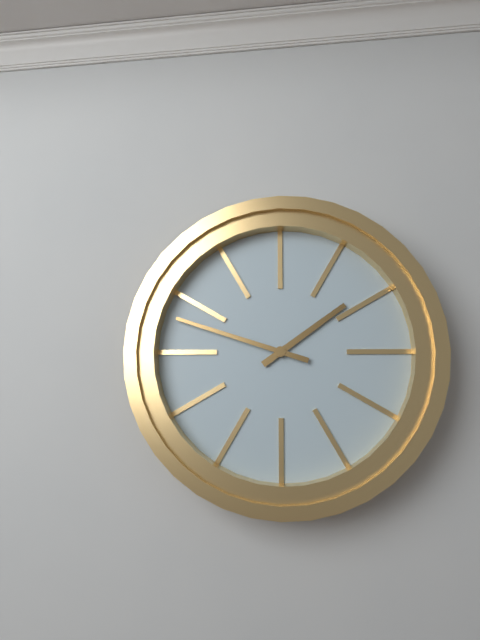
1.48
